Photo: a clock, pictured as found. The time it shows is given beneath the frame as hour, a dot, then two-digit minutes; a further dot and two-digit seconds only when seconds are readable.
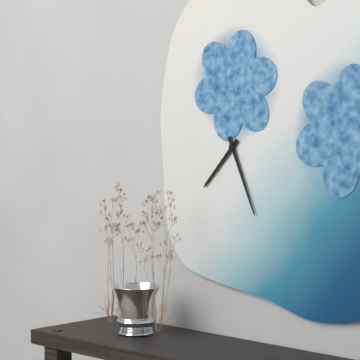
7.26
